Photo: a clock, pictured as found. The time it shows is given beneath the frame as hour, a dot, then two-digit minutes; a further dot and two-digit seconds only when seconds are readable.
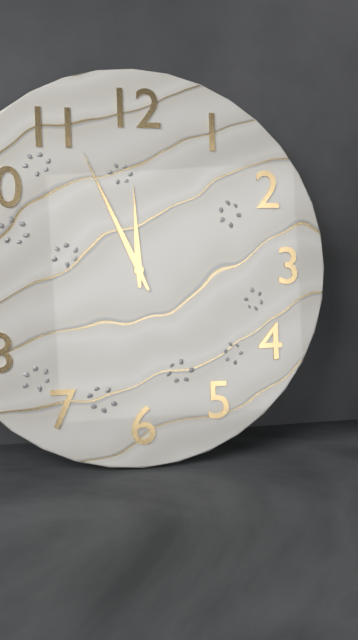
11.56
